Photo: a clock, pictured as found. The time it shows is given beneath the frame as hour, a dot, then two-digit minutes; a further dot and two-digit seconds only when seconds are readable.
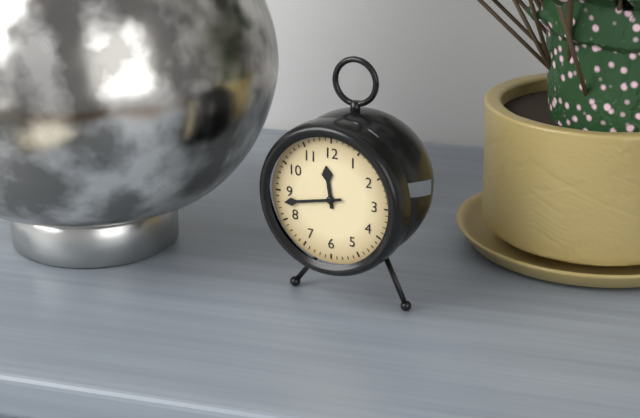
11.43
